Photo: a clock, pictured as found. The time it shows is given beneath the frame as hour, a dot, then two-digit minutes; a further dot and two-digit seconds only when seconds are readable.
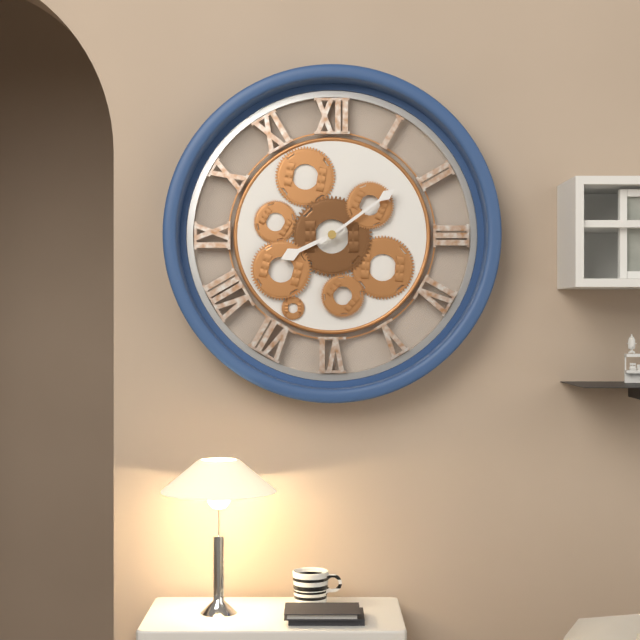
8.09
